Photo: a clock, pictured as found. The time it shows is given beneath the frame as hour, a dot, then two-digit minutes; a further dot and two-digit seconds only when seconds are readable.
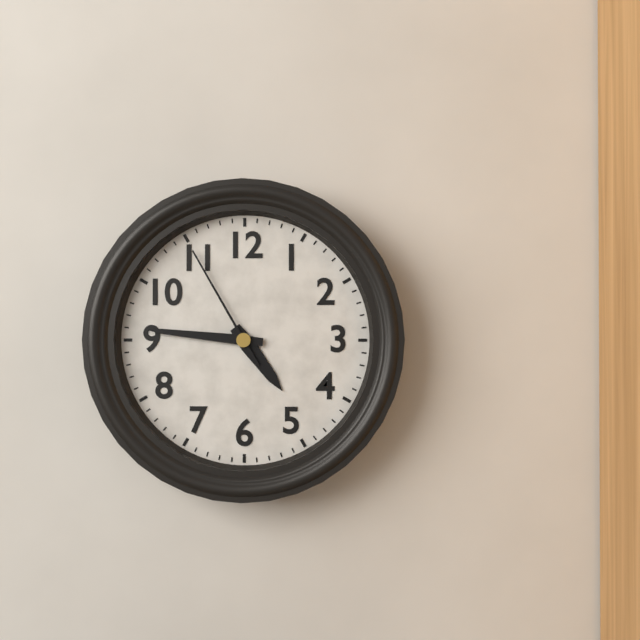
4.46.55
